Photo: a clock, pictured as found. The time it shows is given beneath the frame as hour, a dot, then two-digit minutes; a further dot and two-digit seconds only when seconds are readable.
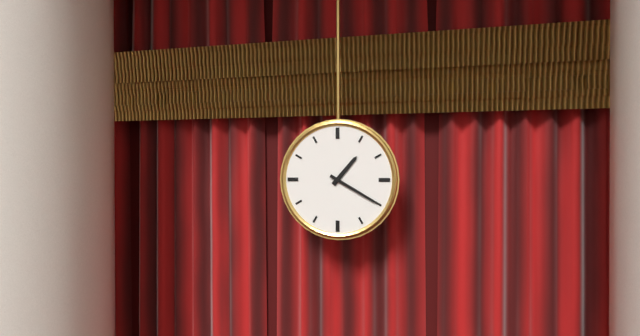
1.20
